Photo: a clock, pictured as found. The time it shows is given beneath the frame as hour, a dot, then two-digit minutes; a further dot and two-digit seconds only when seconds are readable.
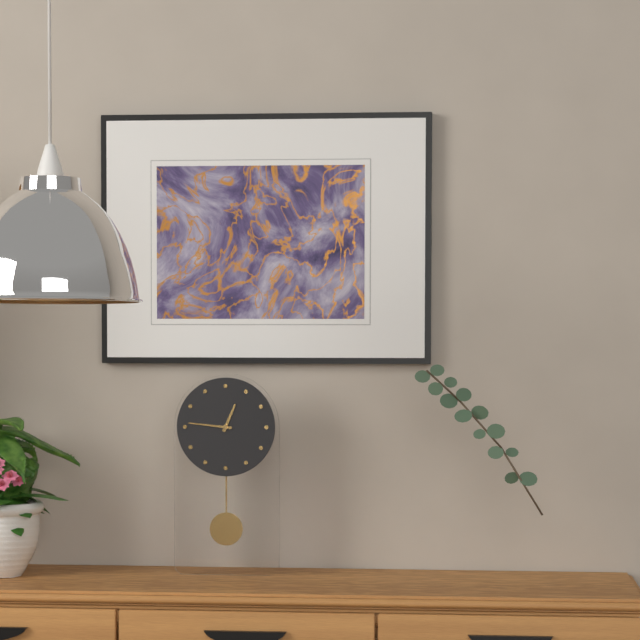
12.46
